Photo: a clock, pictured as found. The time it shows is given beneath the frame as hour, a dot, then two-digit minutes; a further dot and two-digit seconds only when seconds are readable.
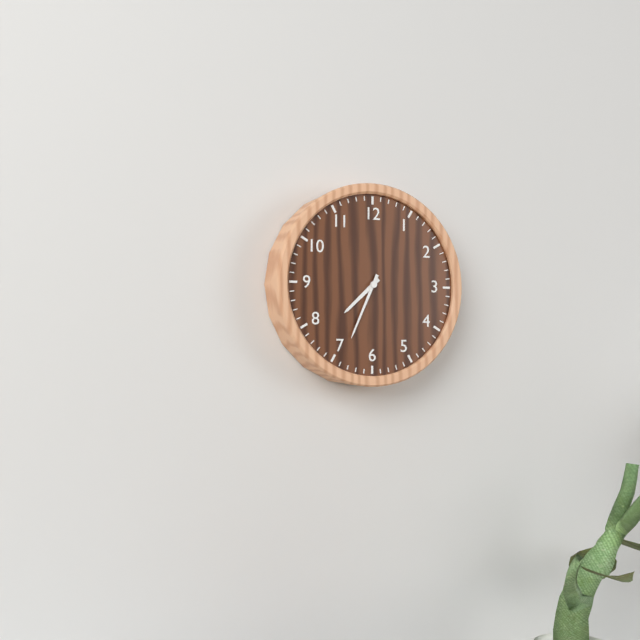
7.34
